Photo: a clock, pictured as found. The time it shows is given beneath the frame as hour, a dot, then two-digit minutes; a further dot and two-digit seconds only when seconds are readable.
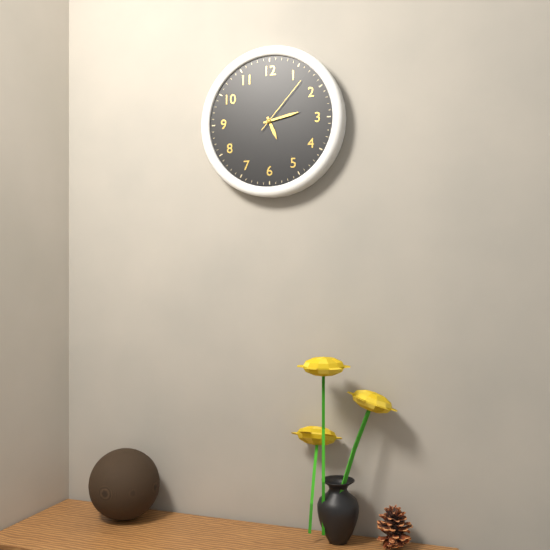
5.13.07
